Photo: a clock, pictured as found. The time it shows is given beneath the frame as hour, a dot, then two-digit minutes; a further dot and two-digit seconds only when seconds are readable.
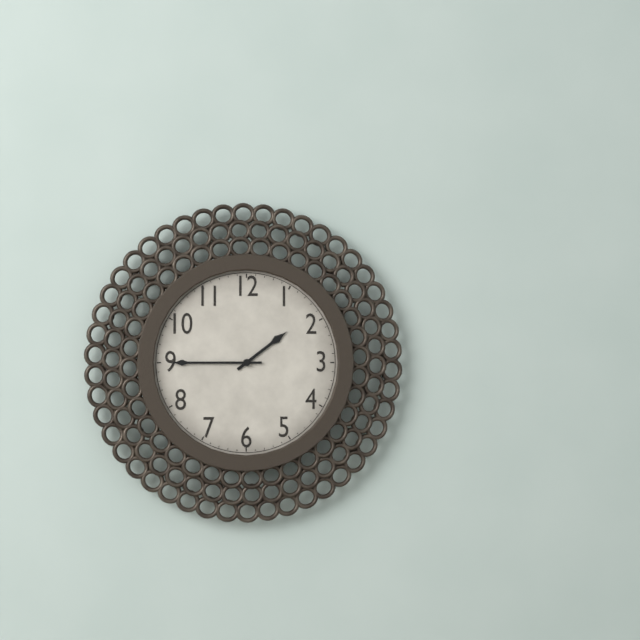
1.45
